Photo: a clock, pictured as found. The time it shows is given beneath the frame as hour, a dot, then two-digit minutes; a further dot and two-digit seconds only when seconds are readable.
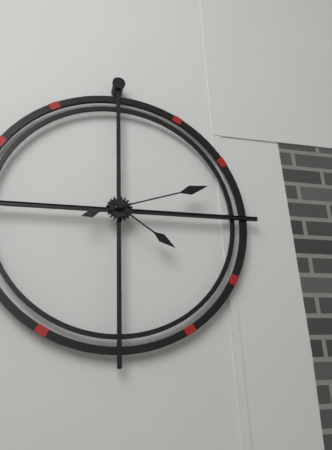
4.12
